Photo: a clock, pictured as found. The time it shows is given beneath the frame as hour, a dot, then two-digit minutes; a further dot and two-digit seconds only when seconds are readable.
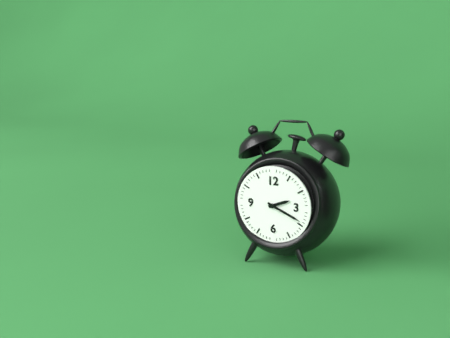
2.19
